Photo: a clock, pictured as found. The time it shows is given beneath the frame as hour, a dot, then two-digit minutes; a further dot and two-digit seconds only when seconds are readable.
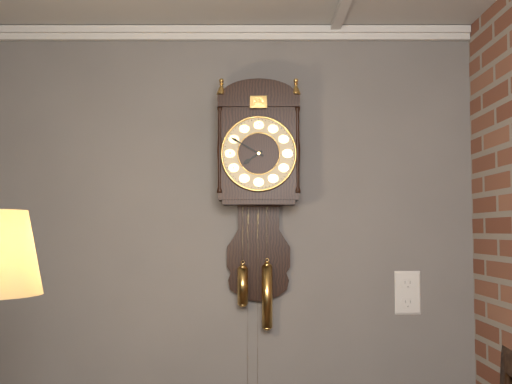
7.50
